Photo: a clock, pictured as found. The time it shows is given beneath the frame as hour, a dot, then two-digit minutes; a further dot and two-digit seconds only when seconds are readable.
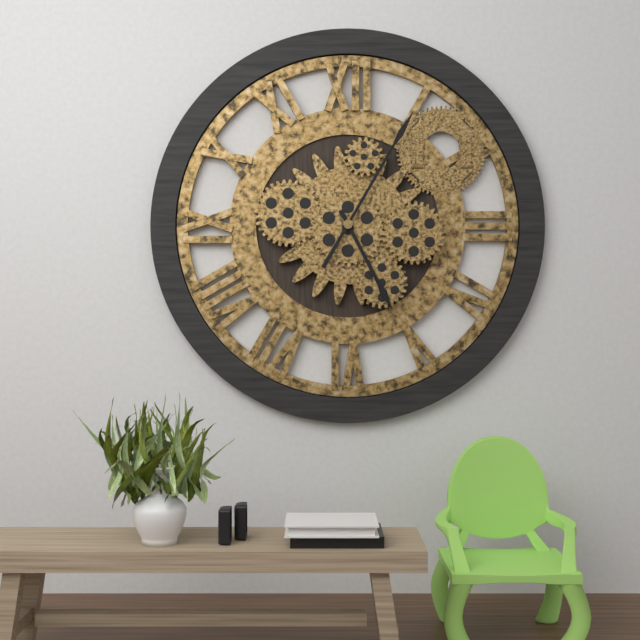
5.05
